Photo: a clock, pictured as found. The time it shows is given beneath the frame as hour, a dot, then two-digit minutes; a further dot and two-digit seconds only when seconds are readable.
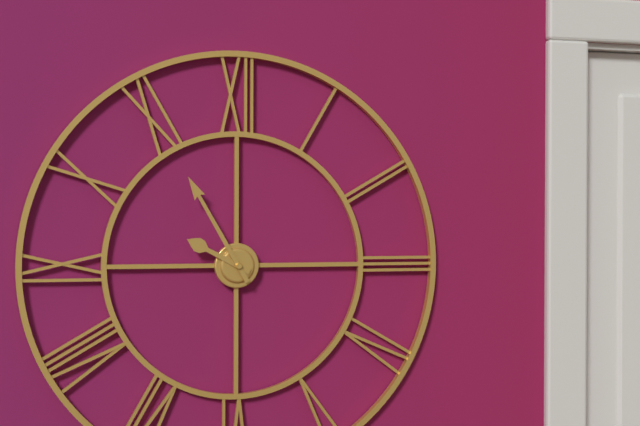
9.55
